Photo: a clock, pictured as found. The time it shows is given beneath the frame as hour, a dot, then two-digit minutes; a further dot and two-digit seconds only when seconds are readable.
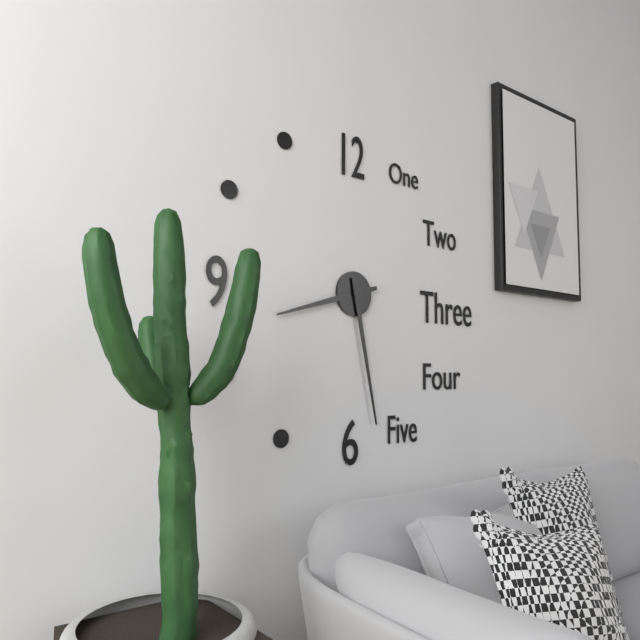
8.28
